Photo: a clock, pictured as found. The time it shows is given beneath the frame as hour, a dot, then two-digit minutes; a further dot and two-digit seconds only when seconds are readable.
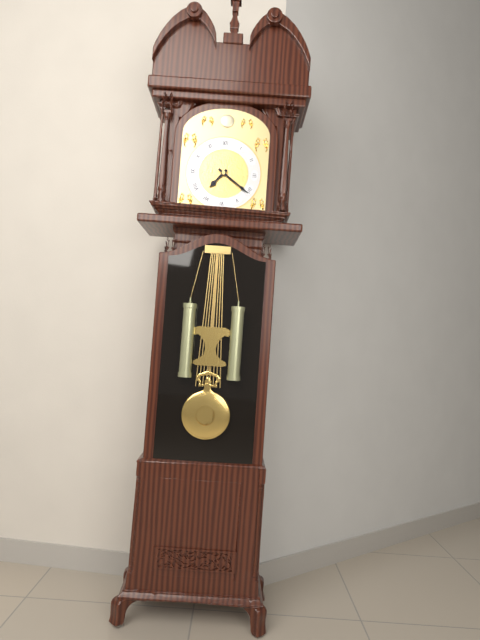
7.21
